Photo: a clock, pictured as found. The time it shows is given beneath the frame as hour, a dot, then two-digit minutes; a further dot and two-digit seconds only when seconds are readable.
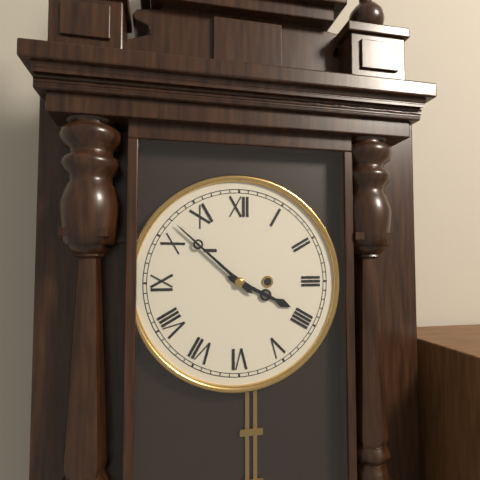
3.52
